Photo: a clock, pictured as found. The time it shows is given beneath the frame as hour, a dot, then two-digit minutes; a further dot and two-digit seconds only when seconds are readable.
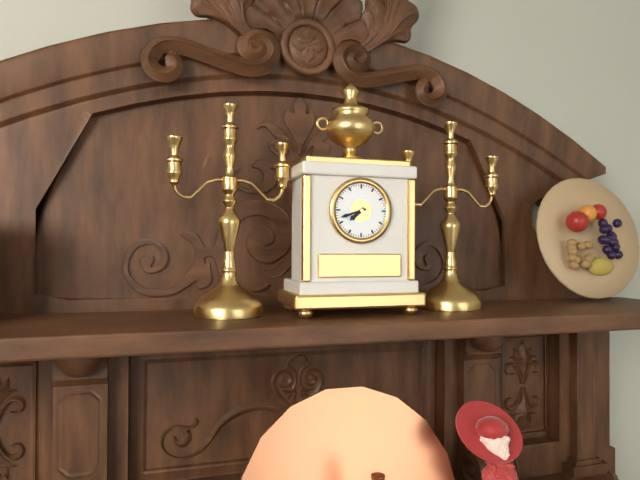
7.42
